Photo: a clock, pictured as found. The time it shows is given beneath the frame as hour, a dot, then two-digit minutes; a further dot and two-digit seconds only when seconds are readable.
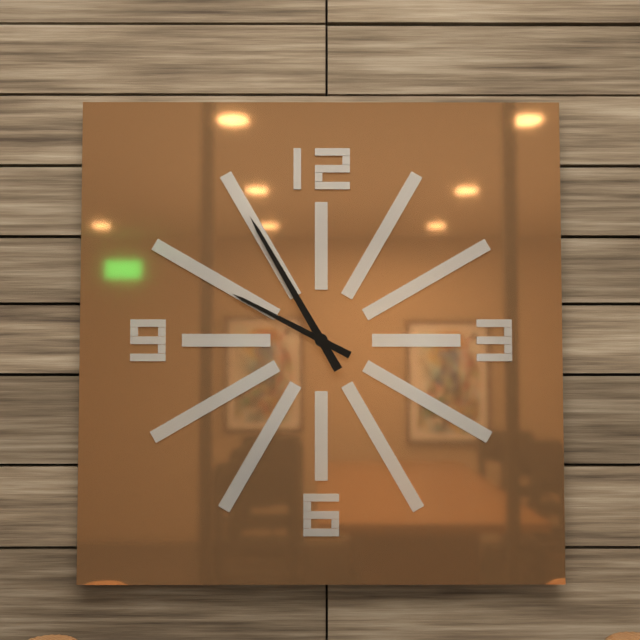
9.55
